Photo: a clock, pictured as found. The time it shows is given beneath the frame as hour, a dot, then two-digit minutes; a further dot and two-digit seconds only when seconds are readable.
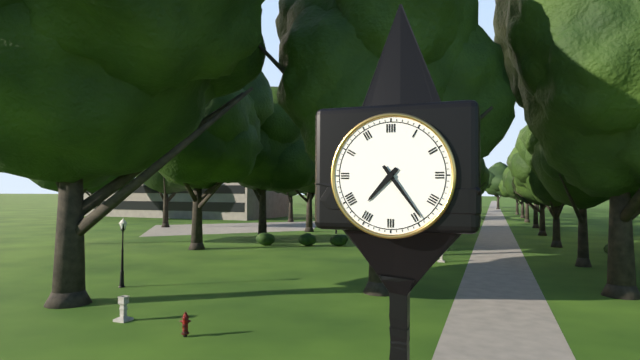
7.24
